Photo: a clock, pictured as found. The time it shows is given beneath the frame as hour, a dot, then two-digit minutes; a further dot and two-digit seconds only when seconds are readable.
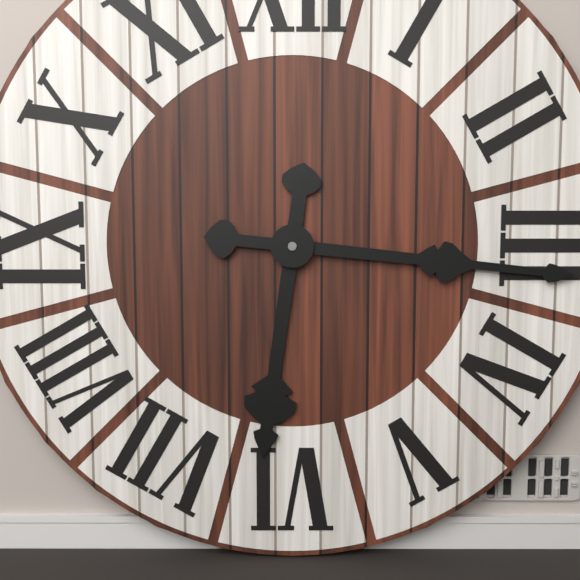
6.16
